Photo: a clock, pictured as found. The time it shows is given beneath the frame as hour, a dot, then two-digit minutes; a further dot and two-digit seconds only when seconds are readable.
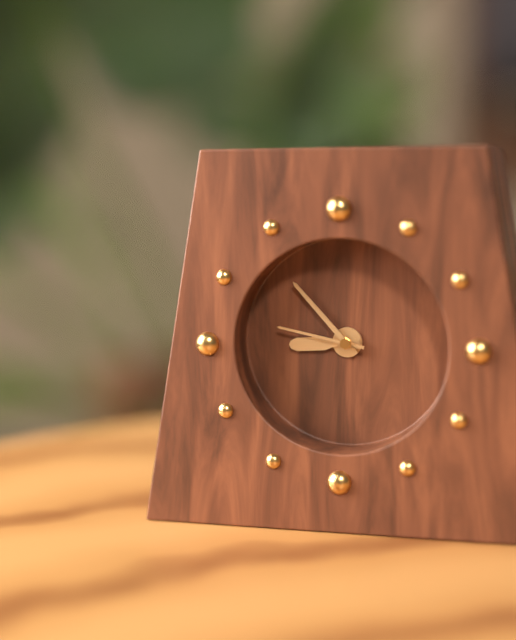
8.53.47
